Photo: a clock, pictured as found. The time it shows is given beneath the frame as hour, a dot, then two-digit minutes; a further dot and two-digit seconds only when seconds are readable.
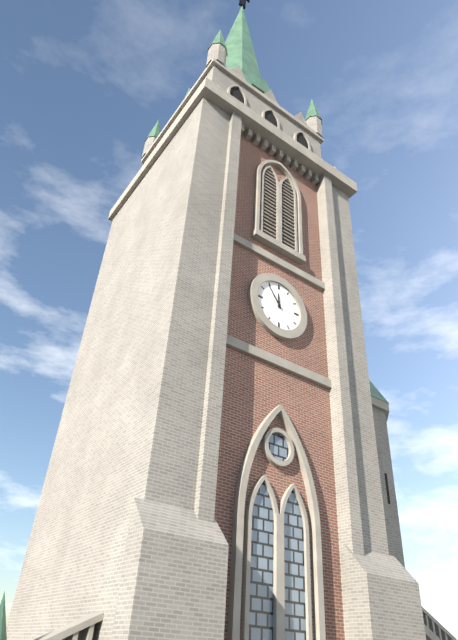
11.54
